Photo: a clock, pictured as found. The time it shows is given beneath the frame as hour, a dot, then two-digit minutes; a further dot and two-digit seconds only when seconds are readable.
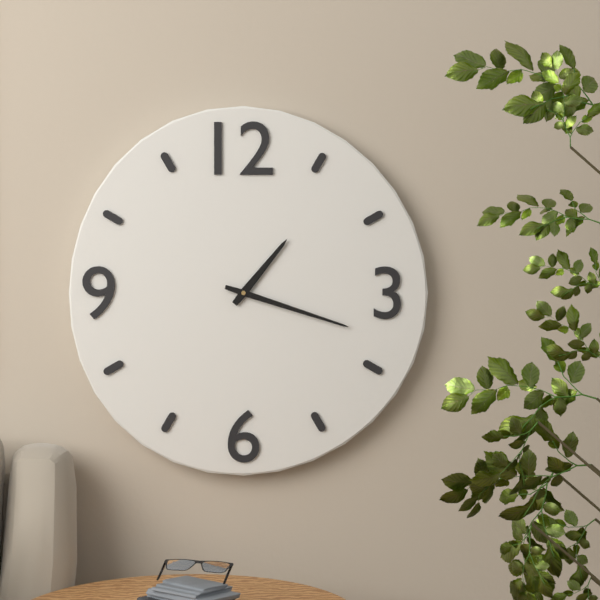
1.18
